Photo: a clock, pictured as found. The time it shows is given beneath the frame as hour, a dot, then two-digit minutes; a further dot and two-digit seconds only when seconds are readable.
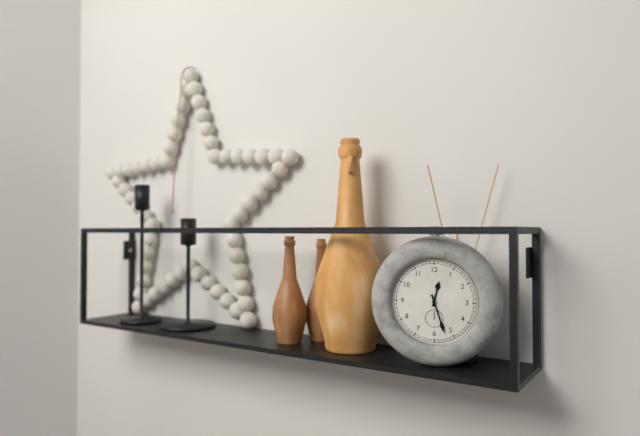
12.27
